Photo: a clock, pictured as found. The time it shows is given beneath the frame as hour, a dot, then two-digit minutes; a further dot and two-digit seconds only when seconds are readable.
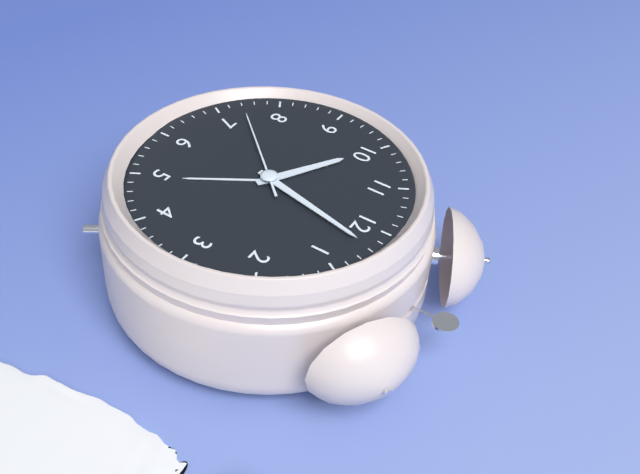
10.02.37
